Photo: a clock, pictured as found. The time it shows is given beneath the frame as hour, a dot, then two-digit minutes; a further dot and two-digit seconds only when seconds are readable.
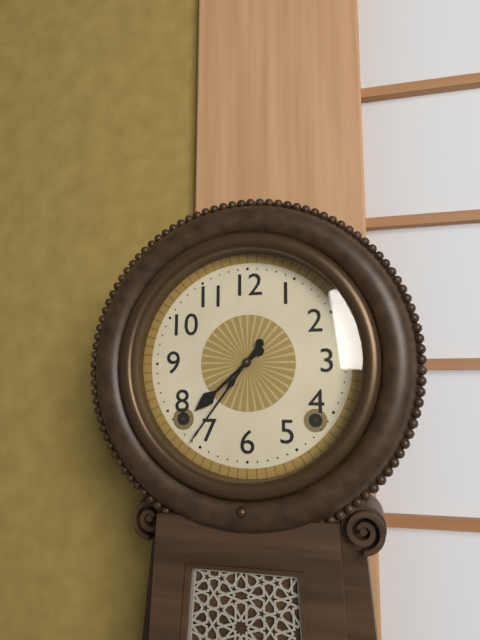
7.36
